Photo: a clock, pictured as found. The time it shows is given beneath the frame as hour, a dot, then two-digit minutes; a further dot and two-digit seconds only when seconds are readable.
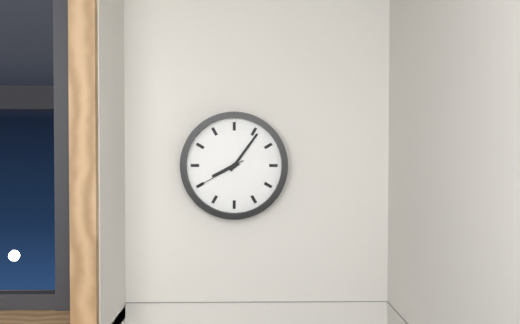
8.06.40
